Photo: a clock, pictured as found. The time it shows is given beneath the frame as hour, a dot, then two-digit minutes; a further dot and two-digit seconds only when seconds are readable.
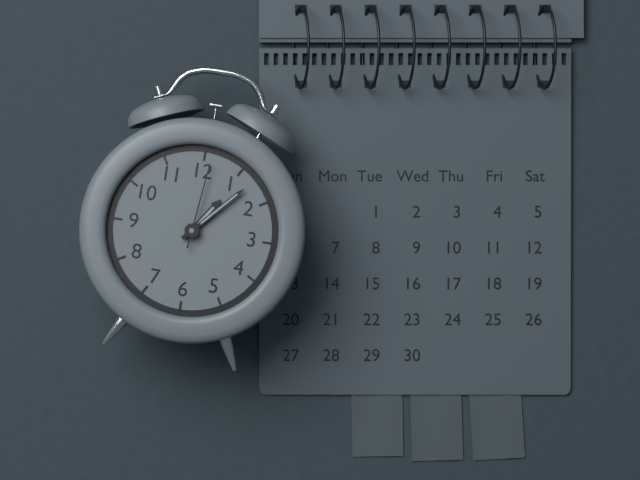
1.07.01
